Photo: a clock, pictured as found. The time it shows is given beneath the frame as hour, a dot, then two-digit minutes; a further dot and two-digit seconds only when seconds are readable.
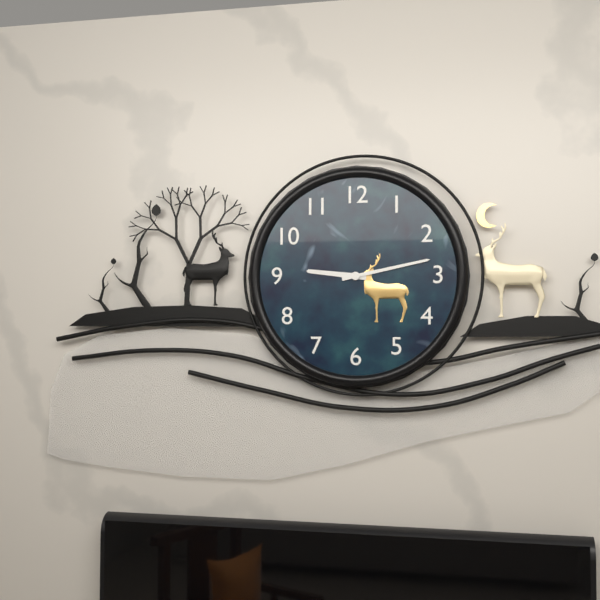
9.13
